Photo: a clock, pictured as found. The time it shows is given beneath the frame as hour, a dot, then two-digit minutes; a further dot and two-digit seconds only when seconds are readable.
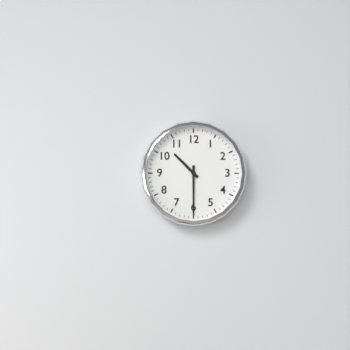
10.30
